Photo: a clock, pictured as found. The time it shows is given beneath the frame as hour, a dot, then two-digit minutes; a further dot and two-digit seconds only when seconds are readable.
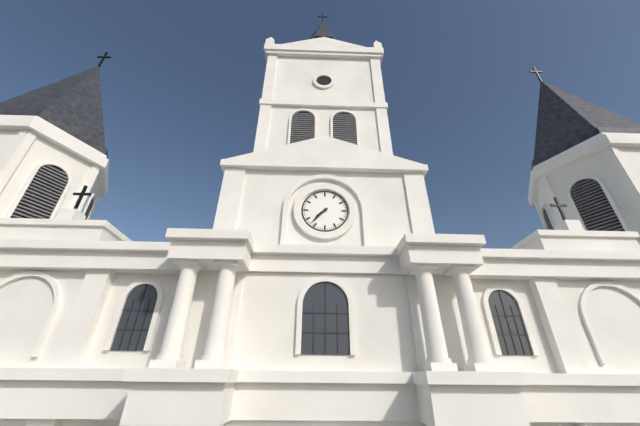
7.37
